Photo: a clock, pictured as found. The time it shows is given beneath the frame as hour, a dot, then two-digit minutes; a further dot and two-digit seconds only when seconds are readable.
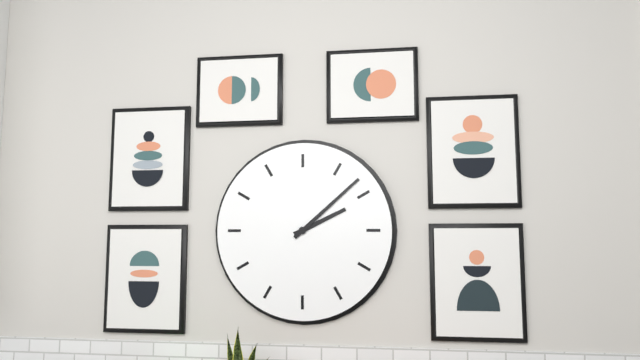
2.08
